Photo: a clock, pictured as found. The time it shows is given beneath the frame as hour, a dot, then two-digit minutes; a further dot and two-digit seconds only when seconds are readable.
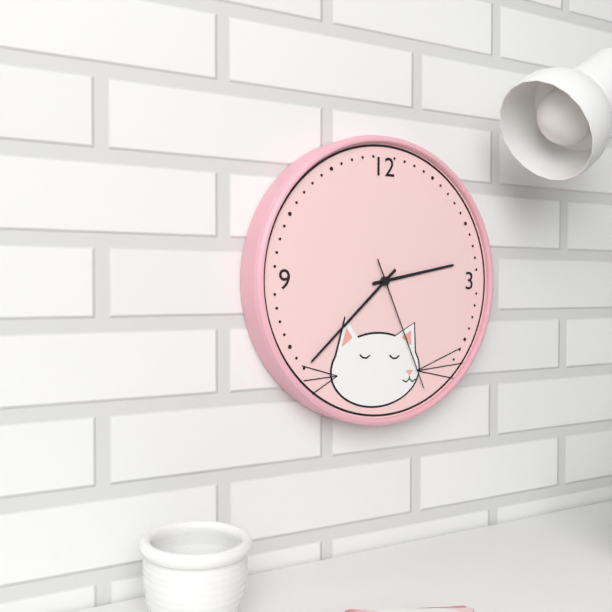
2.38.26
